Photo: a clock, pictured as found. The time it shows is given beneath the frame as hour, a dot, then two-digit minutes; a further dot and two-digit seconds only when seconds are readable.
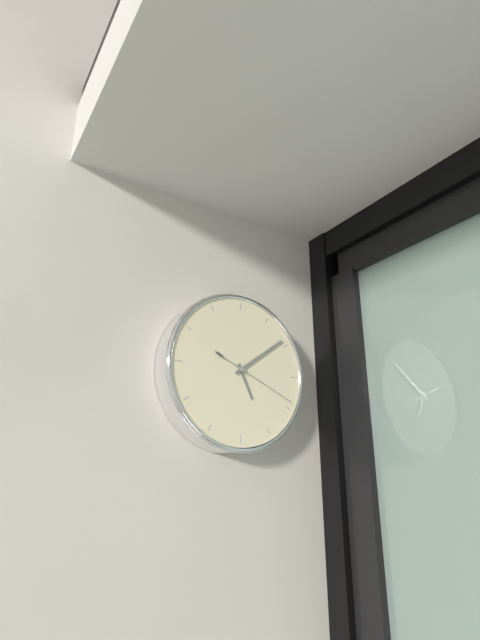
5.09.19
